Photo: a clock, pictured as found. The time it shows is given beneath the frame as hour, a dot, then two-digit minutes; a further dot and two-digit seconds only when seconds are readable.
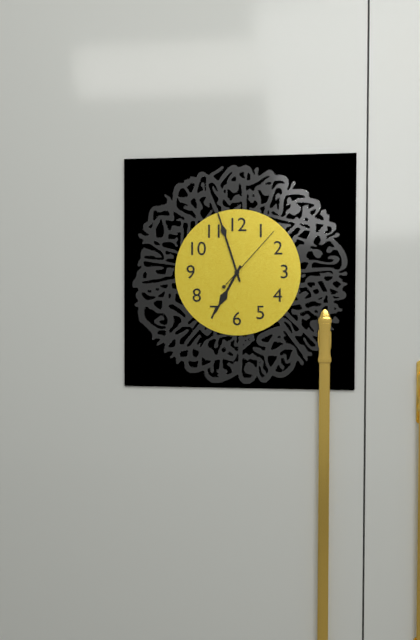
6.57.07
